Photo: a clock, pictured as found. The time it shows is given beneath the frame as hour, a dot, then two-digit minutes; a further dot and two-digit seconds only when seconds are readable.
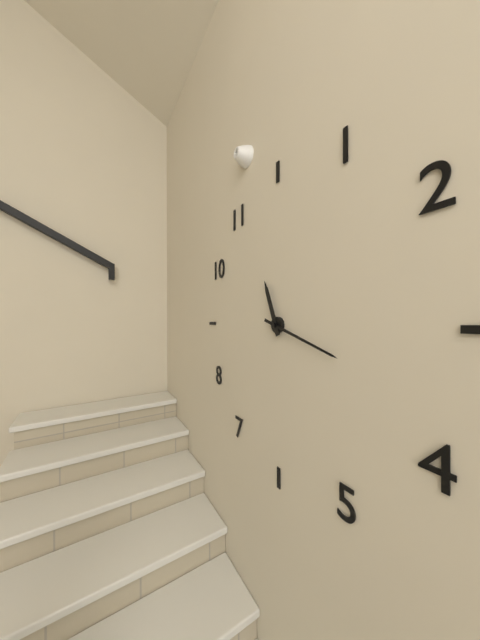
11.18
